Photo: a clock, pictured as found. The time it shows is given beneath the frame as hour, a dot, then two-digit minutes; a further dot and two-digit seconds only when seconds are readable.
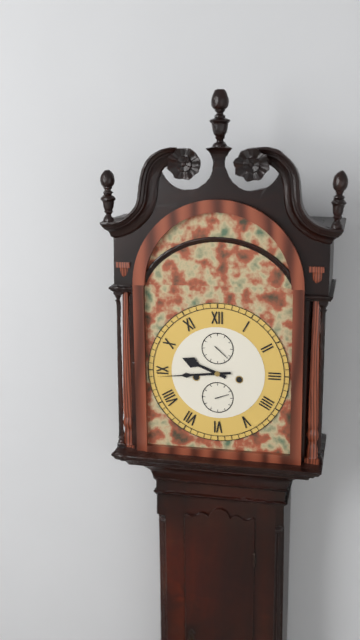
9.44
